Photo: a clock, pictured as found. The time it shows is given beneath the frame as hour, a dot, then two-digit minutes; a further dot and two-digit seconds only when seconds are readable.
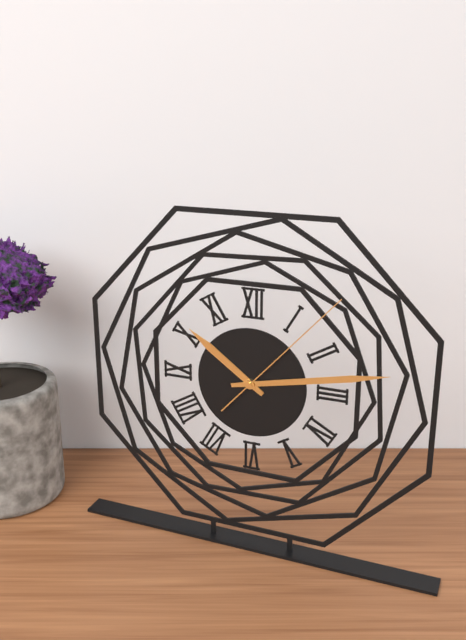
10.13.07
